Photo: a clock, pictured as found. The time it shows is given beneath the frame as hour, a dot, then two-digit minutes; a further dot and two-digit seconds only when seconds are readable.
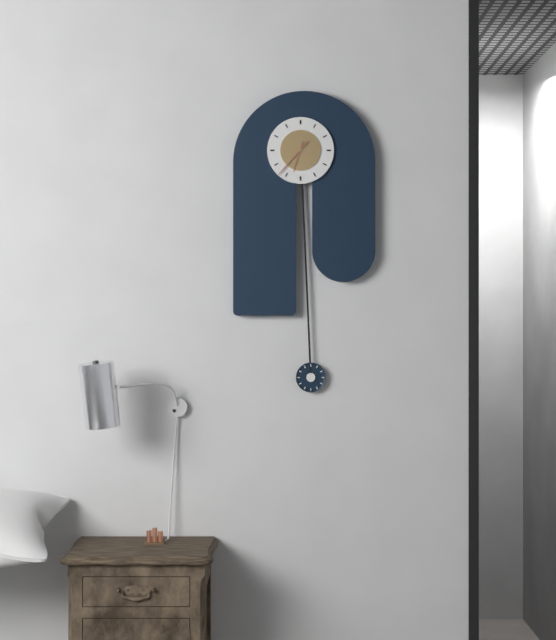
6.37
